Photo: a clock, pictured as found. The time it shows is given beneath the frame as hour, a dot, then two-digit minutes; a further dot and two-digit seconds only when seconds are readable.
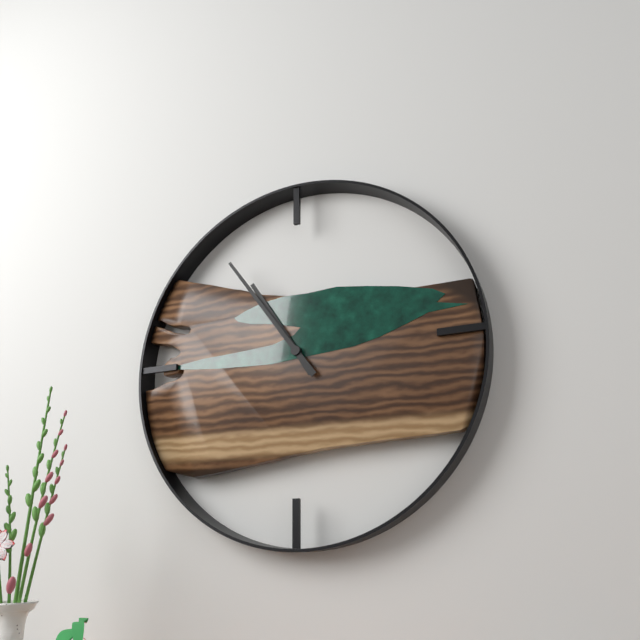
10.54
